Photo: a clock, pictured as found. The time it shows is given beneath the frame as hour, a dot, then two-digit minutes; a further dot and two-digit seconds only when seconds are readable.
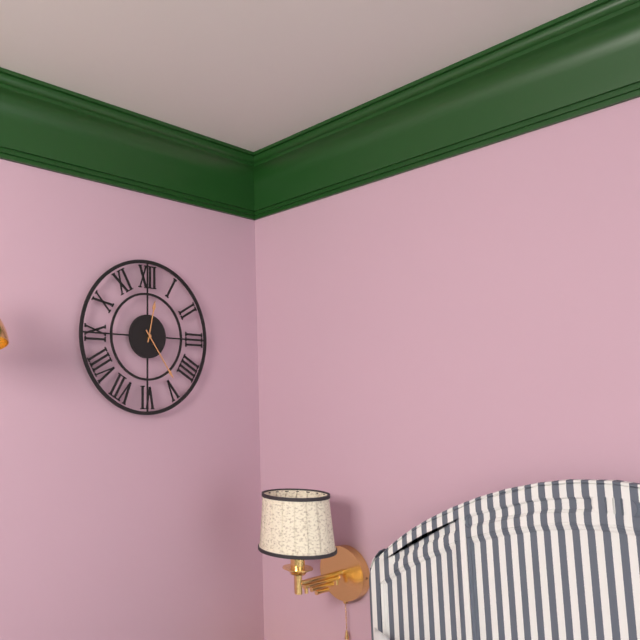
12.24
